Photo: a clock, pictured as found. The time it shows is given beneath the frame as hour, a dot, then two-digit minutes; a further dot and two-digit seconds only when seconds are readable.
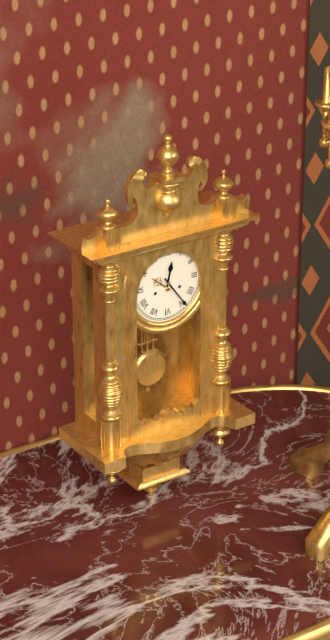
12.24
